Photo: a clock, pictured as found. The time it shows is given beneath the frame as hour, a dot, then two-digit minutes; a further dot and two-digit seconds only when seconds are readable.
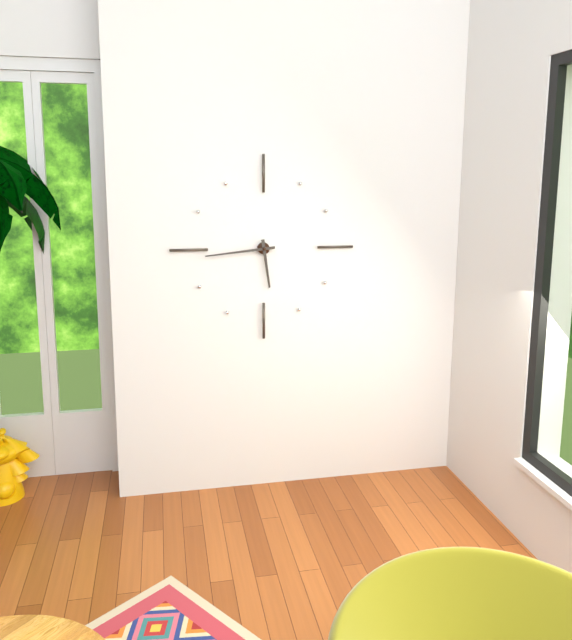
5.44
